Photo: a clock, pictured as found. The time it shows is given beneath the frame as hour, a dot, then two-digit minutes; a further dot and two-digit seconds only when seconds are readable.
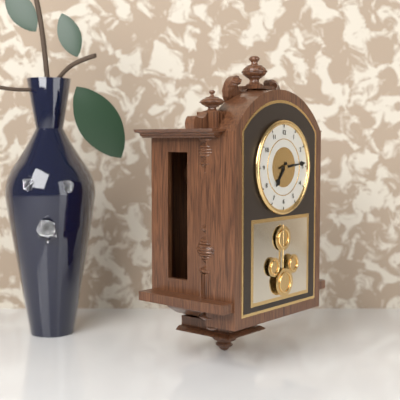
7.14
